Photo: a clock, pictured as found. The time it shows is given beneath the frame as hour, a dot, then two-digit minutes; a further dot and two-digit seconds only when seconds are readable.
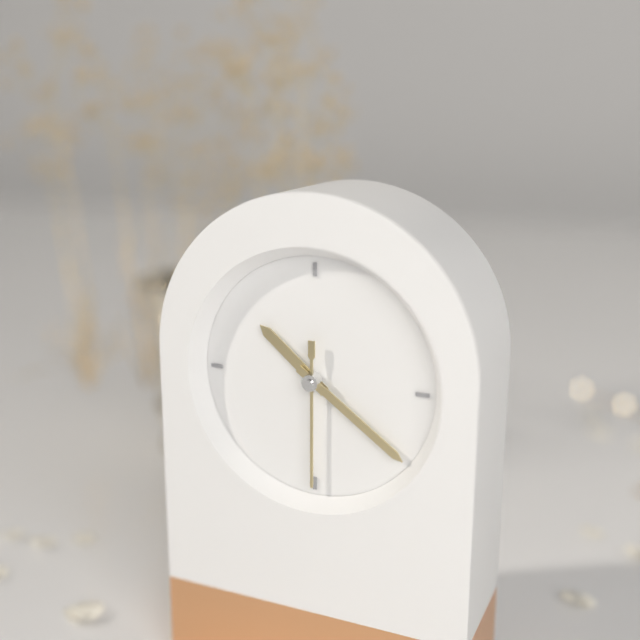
10.21.30
